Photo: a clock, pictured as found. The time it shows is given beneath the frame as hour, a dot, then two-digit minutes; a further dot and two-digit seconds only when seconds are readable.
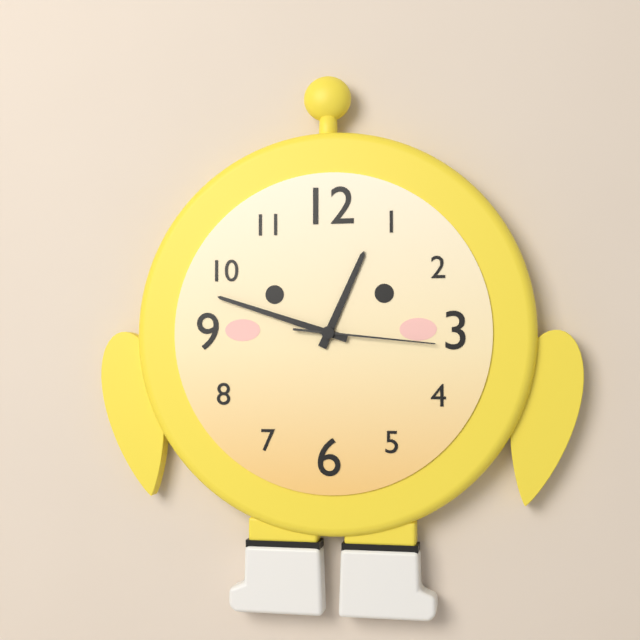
12.48.16
